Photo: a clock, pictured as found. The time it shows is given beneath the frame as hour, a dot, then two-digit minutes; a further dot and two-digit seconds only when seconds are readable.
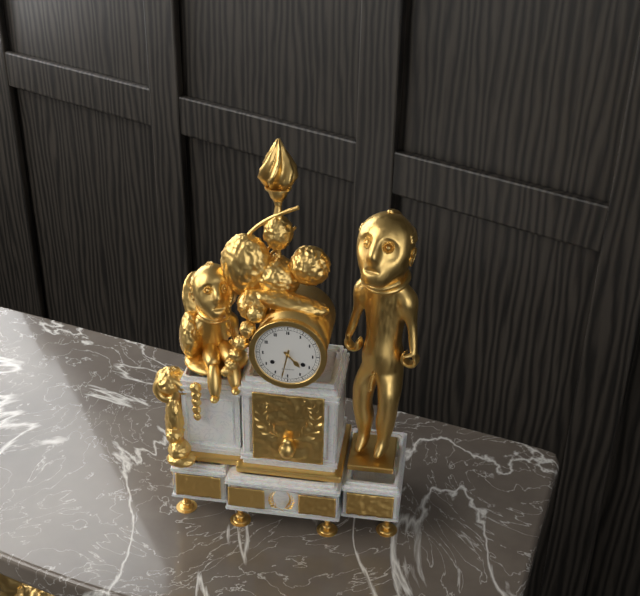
4.32
